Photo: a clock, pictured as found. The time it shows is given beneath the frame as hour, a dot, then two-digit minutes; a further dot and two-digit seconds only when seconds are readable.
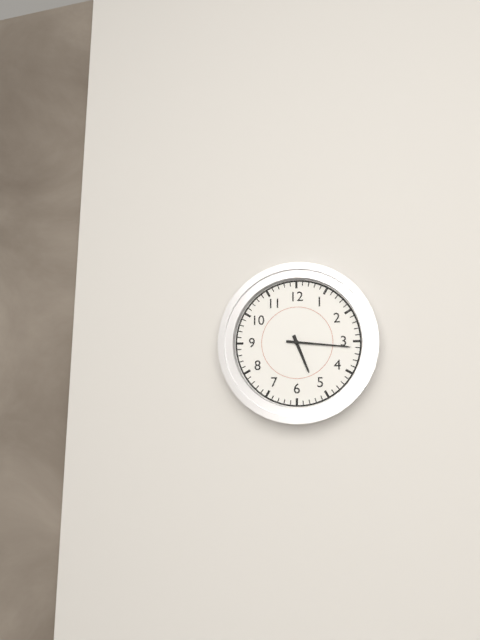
5.16
